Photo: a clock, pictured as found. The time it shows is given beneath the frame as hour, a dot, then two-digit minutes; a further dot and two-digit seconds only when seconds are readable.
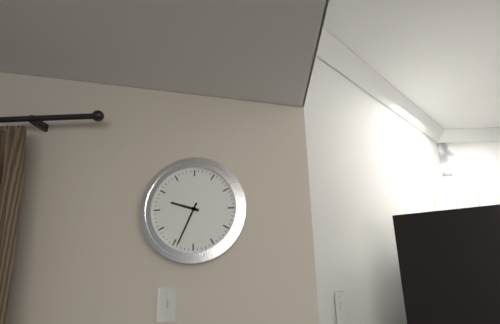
9.34
